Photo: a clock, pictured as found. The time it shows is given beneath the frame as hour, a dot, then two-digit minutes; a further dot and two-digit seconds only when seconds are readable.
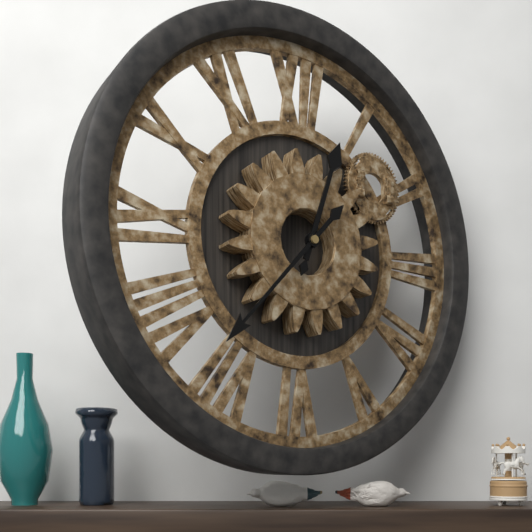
12.37
